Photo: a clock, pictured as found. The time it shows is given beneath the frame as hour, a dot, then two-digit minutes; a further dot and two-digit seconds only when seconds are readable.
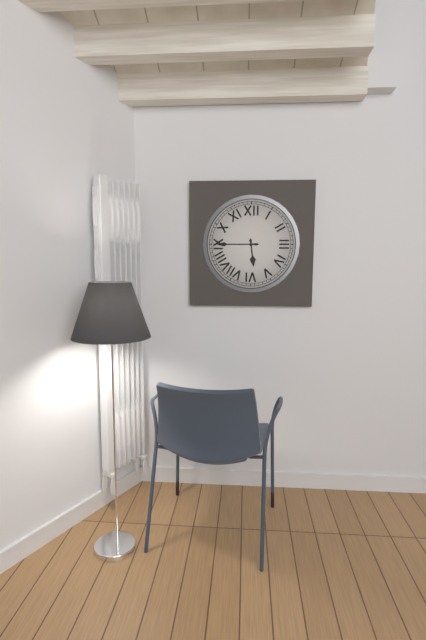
5.45
